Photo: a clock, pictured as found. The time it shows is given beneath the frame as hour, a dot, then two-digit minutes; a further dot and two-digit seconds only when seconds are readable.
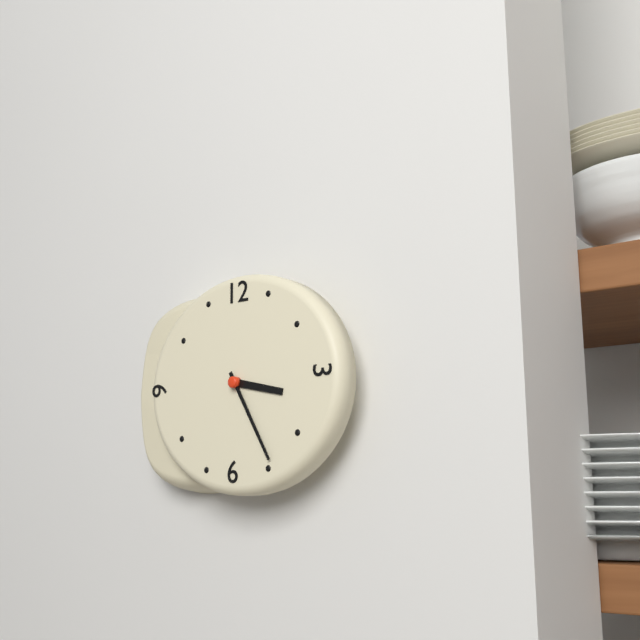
3.25
